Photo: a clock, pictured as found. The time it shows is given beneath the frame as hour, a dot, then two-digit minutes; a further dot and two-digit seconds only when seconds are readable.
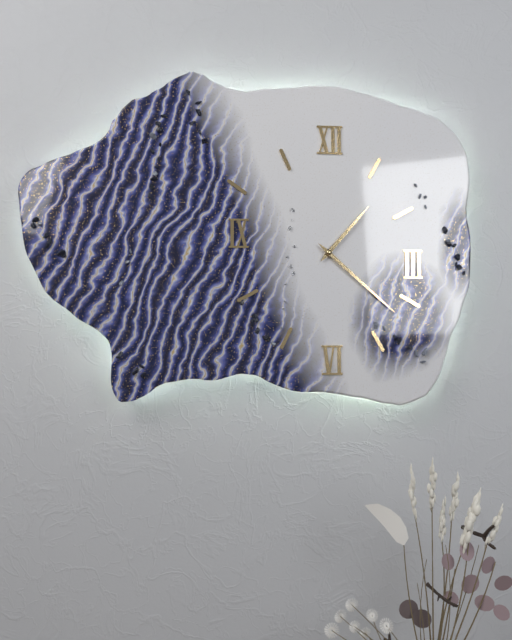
1.22
